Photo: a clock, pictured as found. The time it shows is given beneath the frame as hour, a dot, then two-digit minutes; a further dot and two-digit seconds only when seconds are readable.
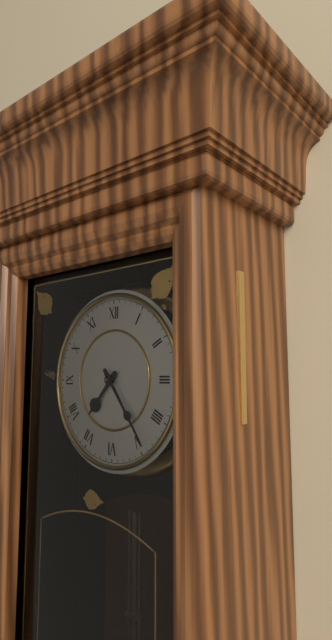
7.24
